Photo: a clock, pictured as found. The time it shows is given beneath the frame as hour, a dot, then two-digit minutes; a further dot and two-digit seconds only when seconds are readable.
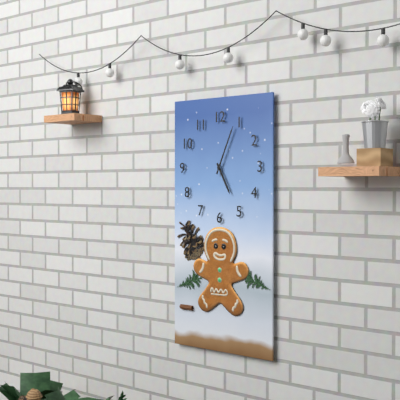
5.04
